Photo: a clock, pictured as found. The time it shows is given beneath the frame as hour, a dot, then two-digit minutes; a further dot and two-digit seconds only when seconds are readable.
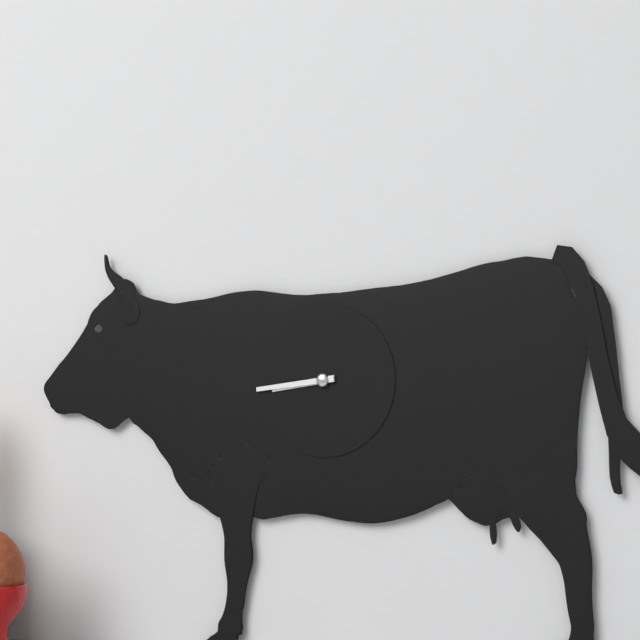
8.44
